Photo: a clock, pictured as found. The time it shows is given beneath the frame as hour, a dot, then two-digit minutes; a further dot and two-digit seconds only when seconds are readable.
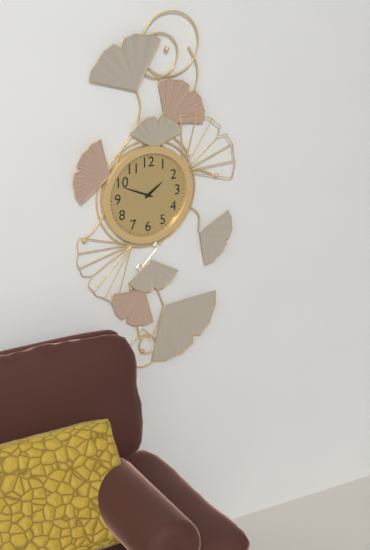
1.49
